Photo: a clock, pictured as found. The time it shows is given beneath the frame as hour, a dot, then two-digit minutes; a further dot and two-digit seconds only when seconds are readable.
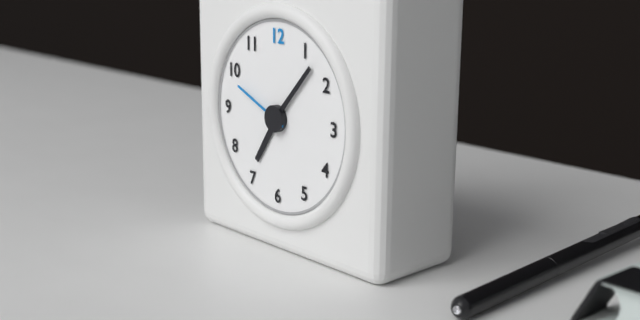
7.07.49
